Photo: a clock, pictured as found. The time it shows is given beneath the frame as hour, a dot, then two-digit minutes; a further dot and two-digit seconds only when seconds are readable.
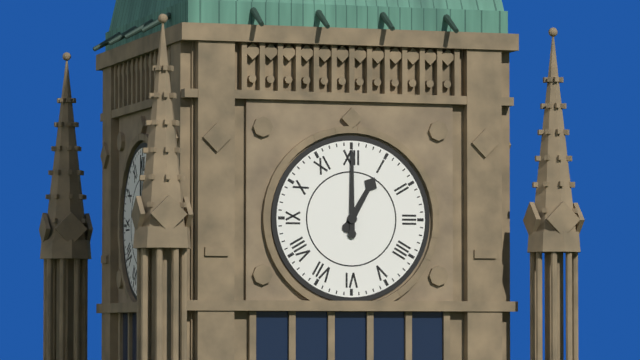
1.00
